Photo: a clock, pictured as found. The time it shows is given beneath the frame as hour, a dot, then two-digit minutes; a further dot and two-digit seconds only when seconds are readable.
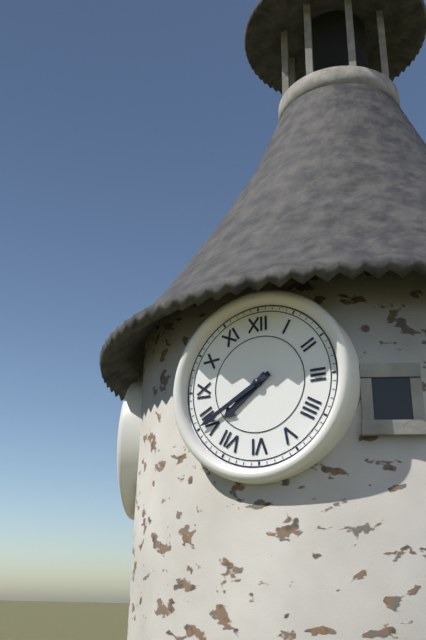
7.40
